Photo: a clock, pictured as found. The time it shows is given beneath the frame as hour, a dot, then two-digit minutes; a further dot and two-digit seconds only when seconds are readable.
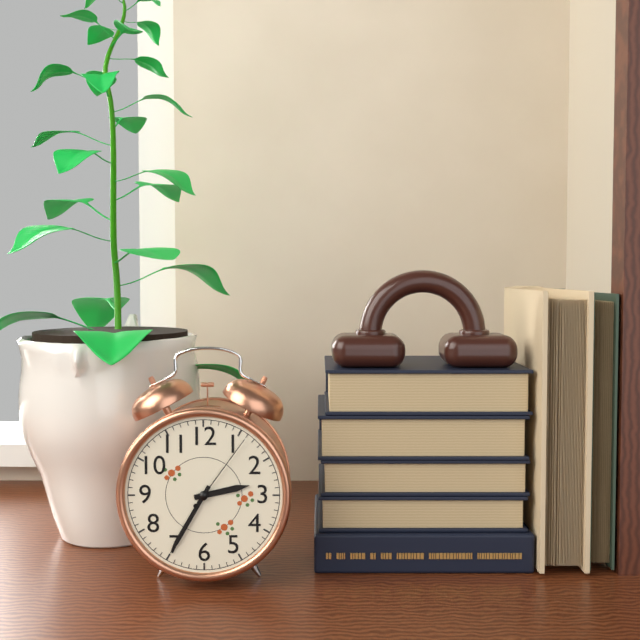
2.35.06
